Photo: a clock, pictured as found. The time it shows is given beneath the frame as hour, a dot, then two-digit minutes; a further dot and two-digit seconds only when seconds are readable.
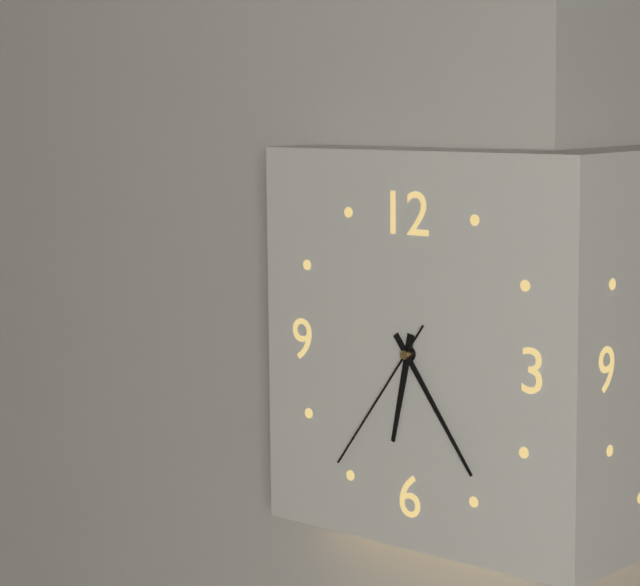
6.24.36
